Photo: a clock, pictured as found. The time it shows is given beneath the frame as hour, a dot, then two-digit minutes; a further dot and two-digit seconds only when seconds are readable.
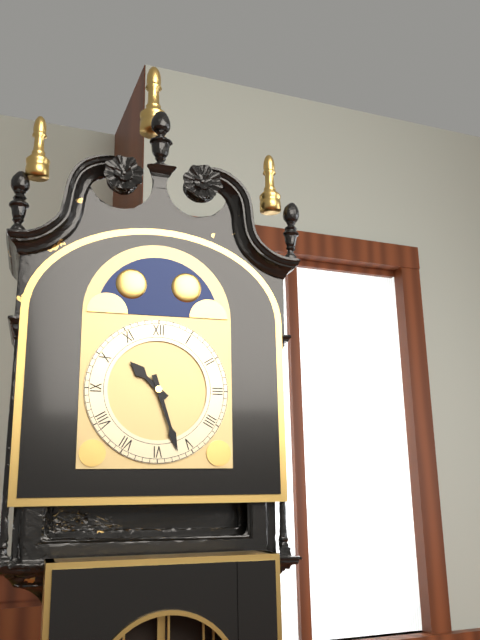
10.27
